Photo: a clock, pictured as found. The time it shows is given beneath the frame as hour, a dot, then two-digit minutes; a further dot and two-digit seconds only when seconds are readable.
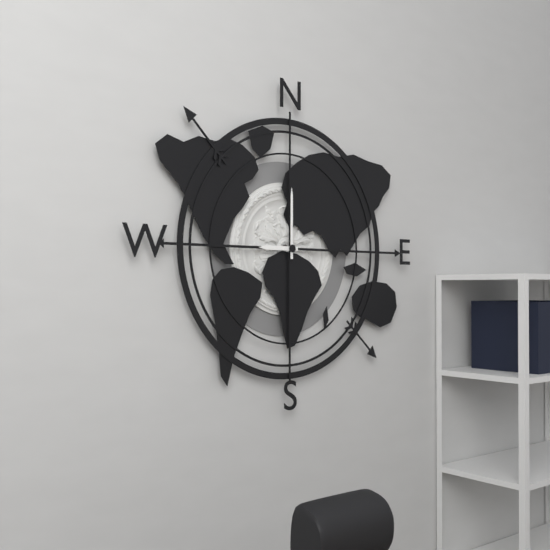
9.00
